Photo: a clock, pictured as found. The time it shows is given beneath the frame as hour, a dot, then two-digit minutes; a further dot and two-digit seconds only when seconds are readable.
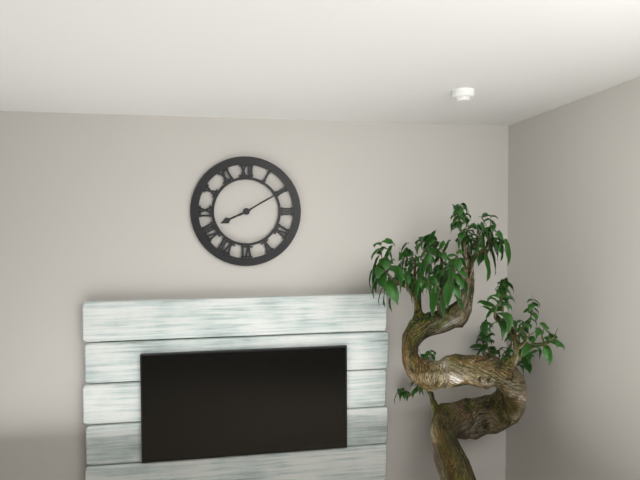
8.10
